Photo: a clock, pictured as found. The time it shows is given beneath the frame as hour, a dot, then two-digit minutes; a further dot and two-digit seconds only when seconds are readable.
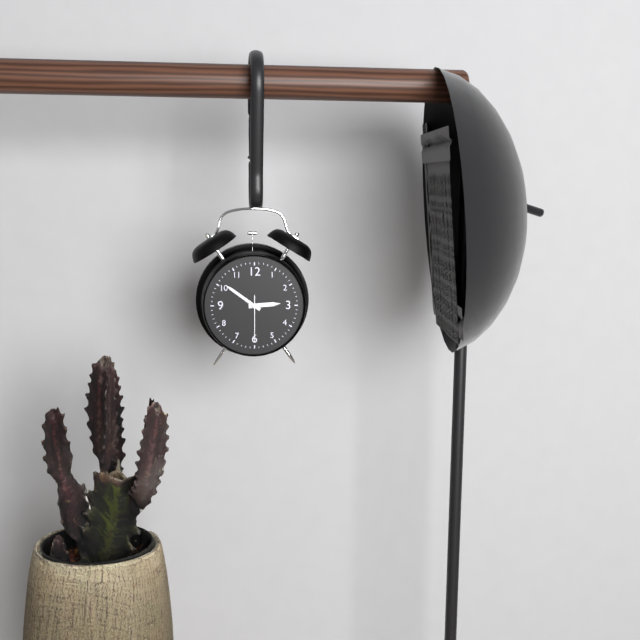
2.51
